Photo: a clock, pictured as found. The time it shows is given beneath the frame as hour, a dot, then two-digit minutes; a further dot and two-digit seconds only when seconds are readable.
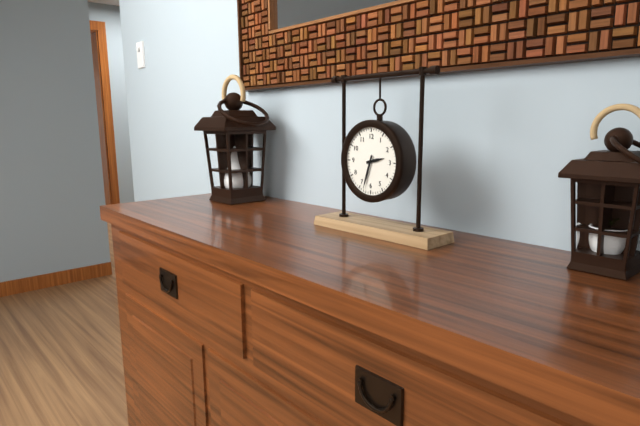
2.33
